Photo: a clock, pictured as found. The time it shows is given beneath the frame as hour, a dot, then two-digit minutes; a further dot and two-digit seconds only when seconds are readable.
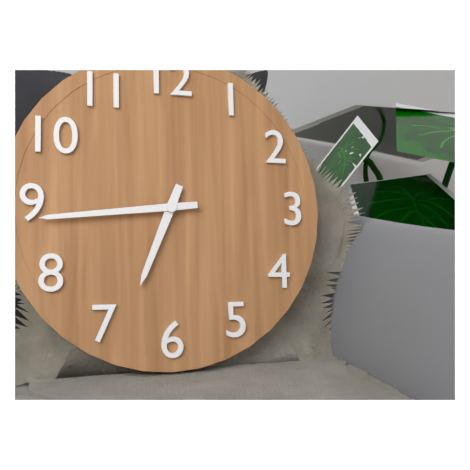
6.44
